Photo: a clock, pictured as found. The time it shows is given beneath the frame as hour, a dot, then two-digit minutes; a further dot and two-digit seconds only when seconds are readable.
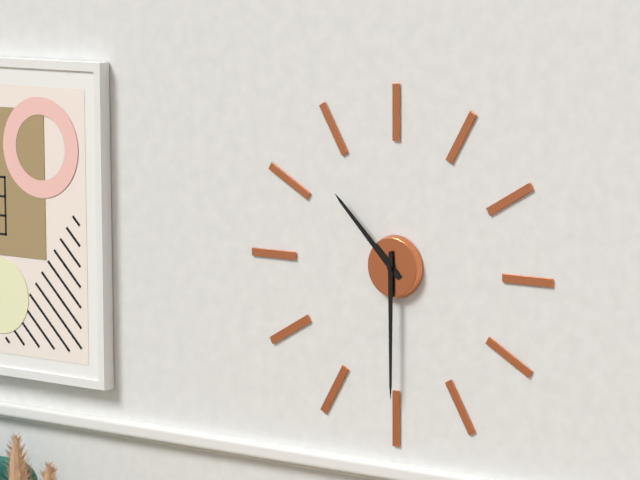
10.30
